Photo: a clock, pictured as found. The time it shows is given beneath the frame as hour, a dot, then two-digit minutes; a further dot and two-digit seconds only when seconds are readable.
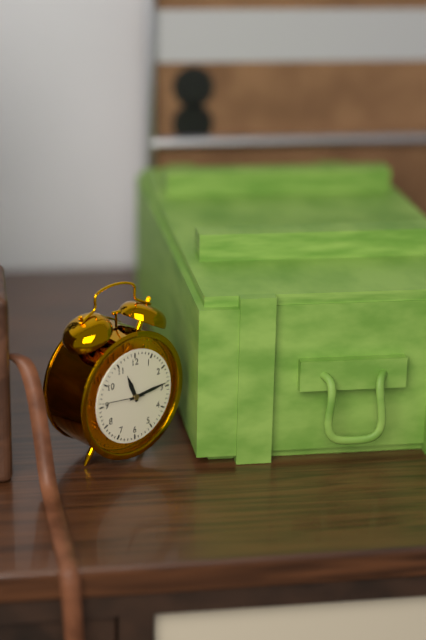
11.14
